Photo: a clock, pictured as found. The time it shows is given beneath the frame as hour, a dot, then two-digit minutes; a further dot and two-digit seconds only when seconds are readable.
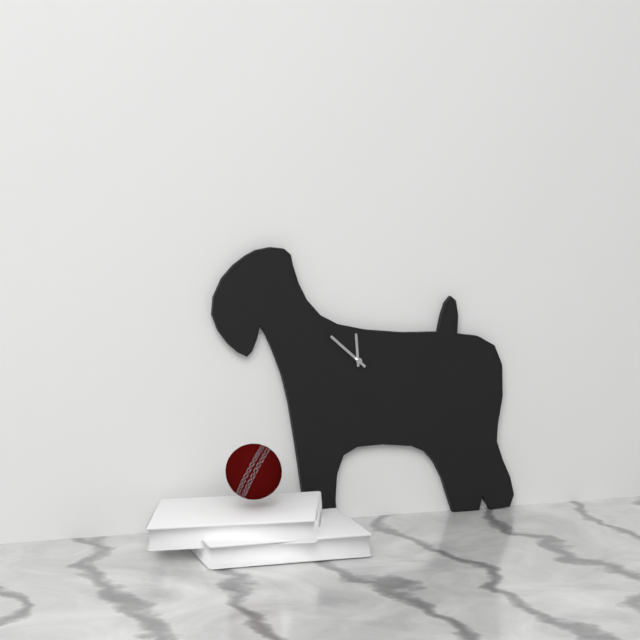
11.52
